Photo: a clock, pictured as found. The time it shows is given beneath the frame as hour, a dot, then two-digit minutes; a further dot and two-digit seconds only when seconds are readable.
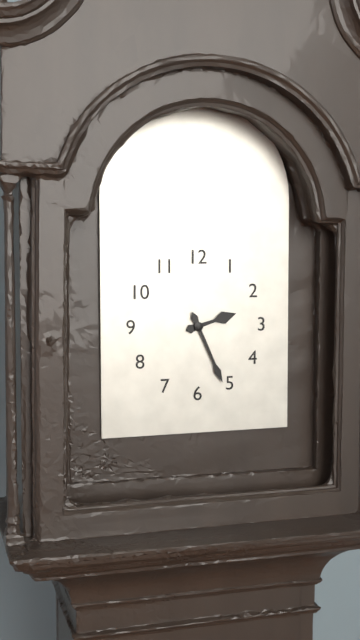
2.26
